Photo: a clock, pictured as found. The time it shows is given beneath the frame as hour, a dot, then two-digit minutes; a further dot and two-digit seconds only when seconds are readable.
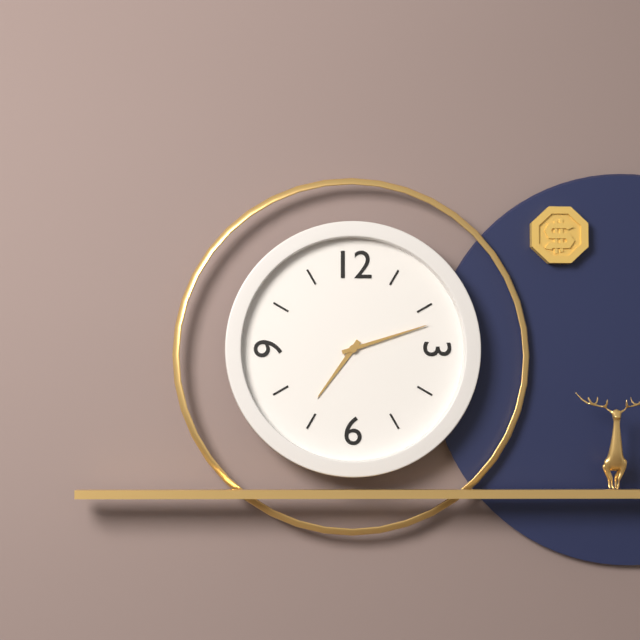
7.12
